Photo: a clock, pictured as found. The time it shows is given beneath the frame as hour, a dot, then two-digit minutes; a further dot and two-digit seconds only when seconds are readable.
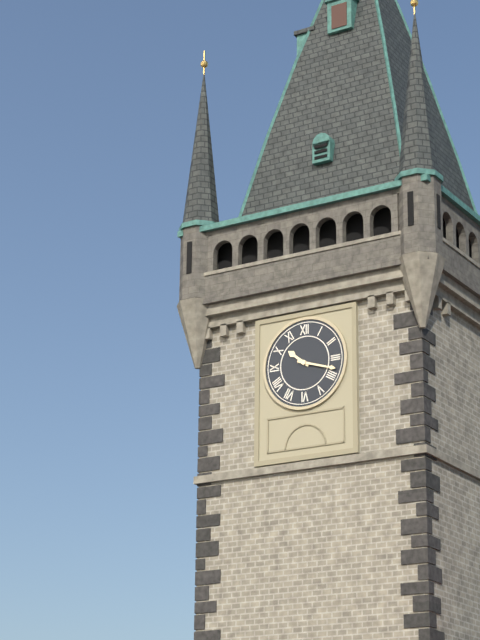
10.18
